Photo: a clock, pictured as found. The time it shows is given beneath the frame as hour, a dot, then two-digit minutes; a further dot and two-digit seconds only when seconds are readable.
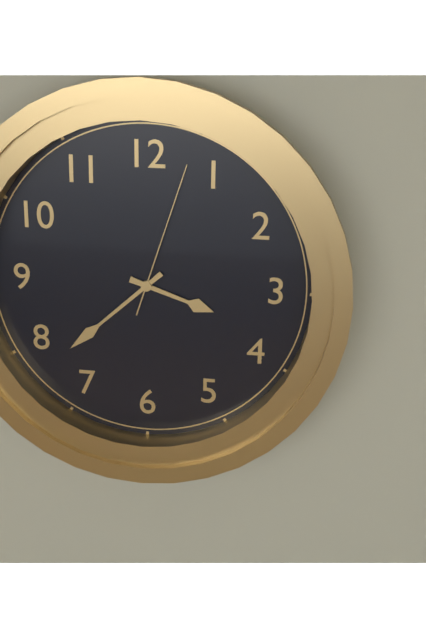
3.38.03
